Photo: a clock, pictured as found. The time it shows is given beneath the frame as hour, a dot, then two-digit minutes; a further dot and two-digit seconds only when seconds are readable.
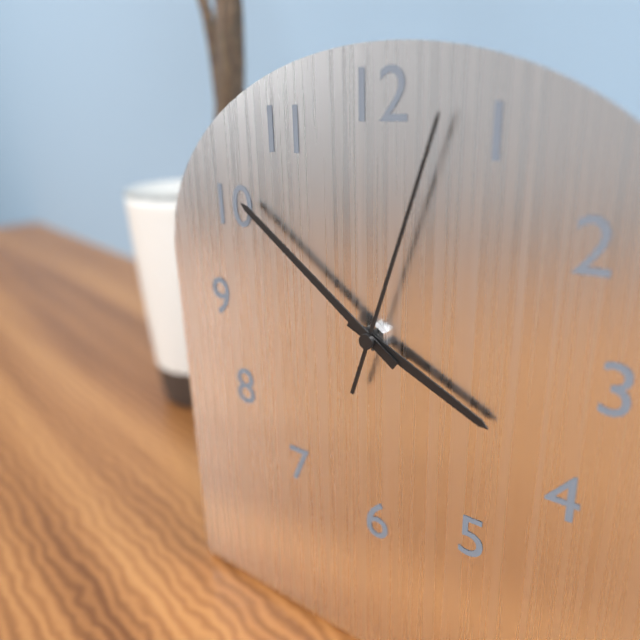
3.51.03
